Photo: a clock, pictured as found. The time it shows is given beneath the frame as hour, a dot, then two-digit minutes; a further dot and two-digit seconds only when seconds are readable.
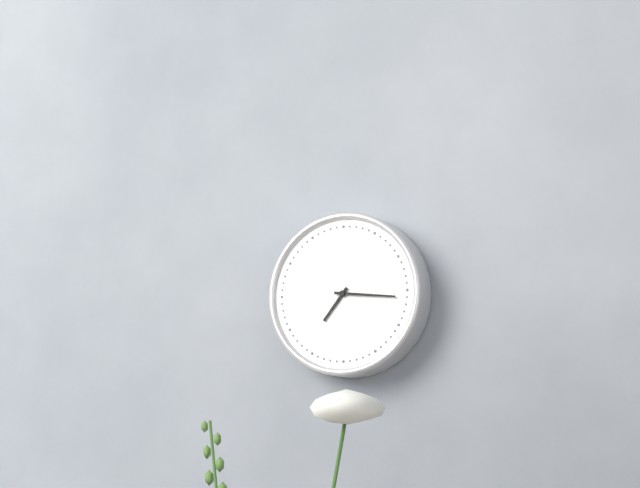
7.16
